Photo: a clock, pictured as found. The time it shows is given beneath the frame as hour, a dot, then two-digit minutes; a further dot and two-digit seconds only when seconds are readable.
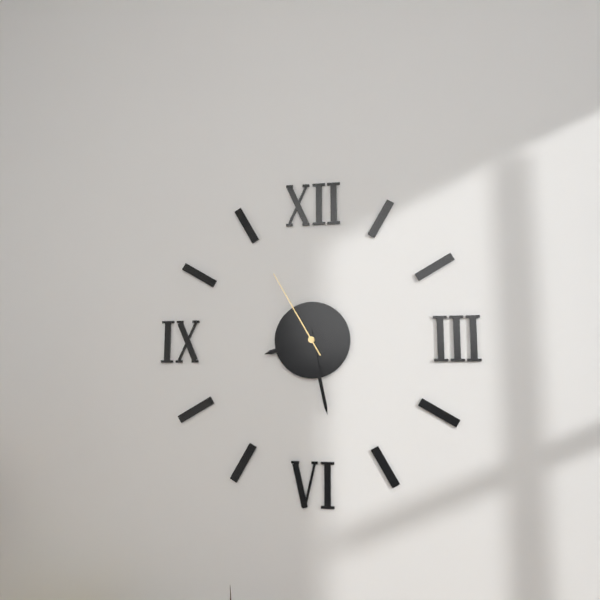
8.28.55
